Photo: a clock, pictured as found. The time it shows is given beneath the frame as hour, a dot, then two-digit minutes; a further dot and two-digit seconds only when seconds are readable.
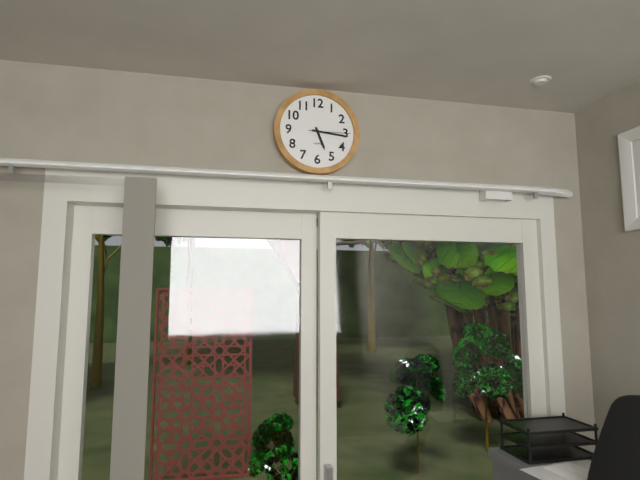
5.16
